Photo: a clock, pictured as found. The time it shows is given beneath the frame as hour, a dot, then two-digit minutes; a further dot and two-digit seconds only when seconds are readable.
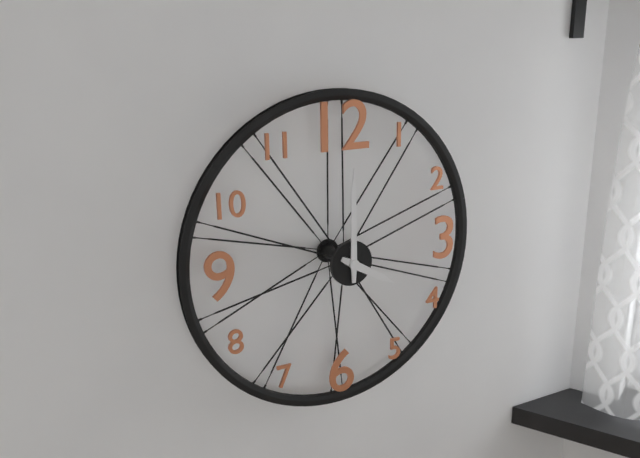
4.00
